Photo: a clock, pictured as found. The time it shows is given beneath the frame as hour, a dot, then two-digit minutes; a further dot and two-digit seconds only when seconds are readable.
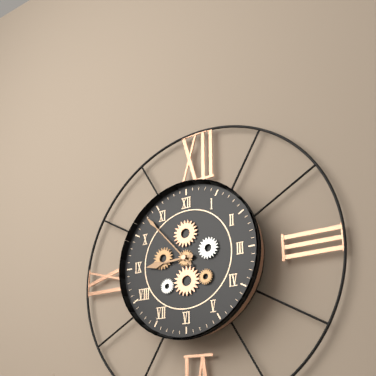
8.53
